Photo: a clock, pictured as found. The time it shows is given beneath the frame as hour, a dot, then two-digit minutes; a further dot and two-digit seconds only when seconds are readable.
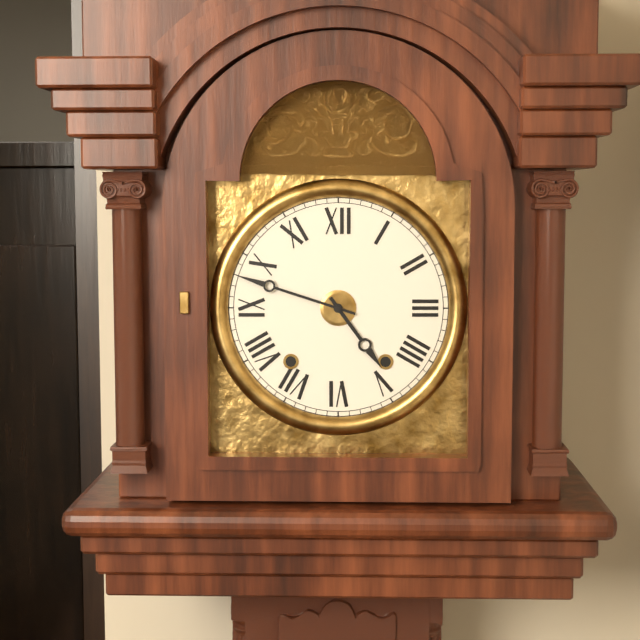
4.48
